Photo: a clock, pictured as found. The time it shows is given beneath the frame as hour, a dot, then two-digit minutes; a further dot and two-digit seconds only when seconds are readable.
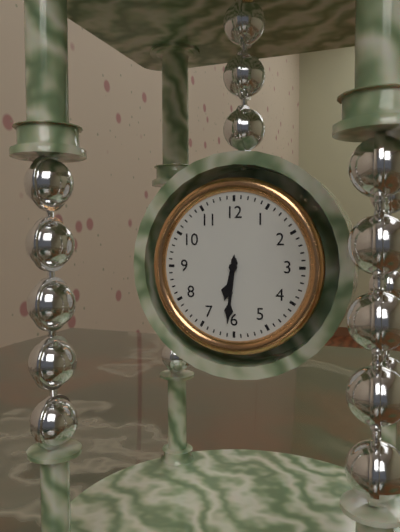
6.31
